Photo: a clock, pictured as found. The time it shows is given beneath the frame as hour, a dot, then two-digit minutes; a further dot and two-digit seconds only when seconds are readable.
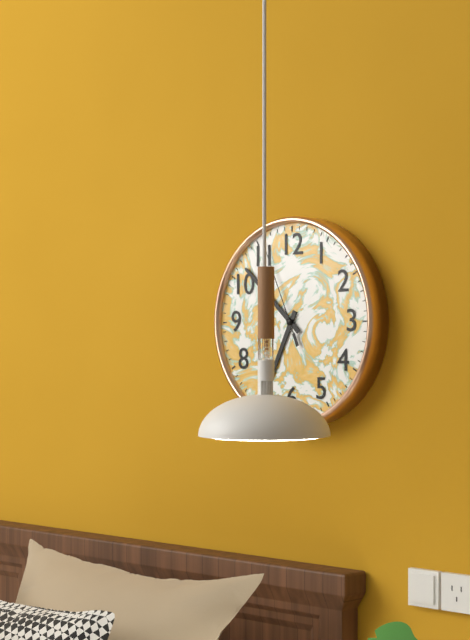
6.52.56
